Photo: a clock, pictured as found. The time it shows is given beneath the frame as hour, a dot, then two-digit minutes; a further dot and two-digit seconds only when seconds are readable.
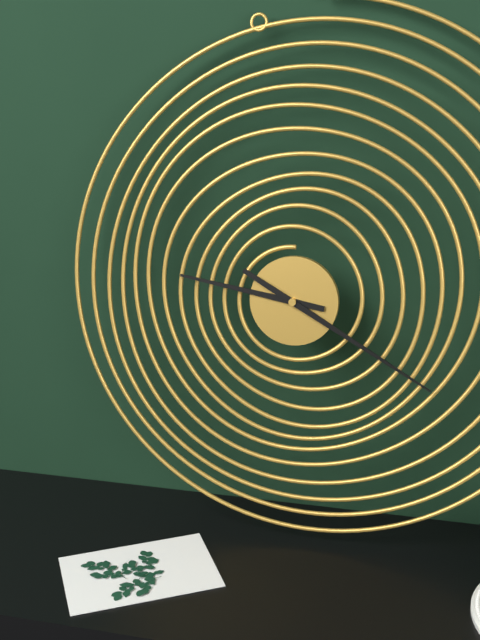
9.20
